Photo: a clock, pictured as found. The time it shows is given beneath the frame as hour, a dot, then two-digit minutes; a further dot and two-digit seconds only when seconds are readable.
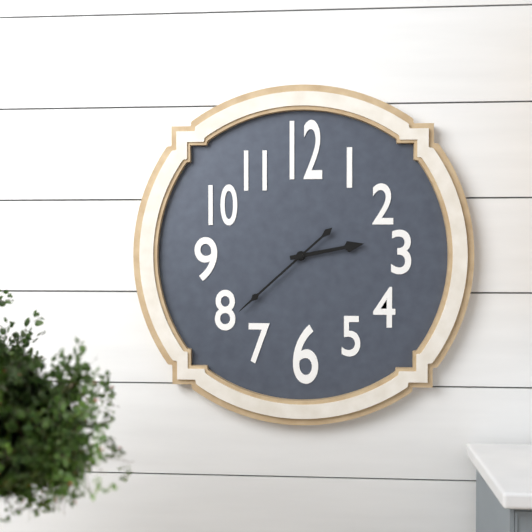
2.38
